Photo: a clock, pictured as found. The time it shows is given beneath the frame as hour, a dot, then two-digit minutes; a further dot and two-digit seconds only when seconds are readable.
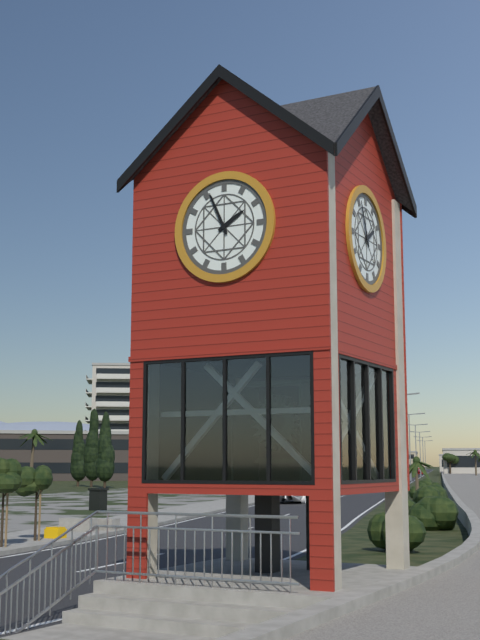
1.56
